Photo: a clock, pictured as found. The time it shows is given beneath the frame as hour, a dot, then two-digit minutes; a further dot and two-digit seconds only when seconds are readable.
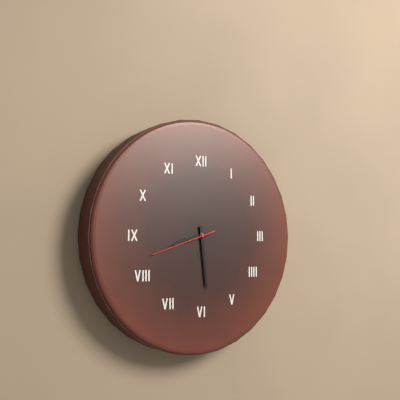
8.29.42
